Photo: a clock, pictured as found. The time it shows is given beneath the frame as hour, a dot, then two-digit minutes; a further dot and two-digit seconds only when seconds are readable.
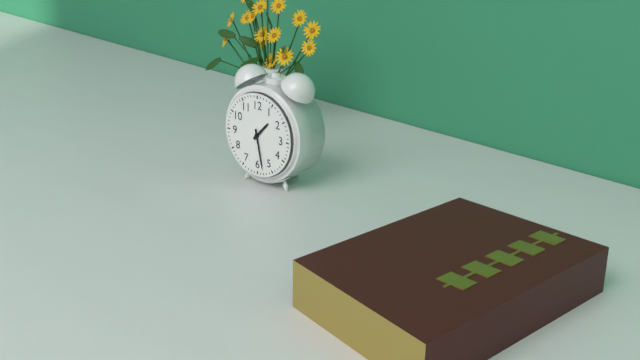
1.28
